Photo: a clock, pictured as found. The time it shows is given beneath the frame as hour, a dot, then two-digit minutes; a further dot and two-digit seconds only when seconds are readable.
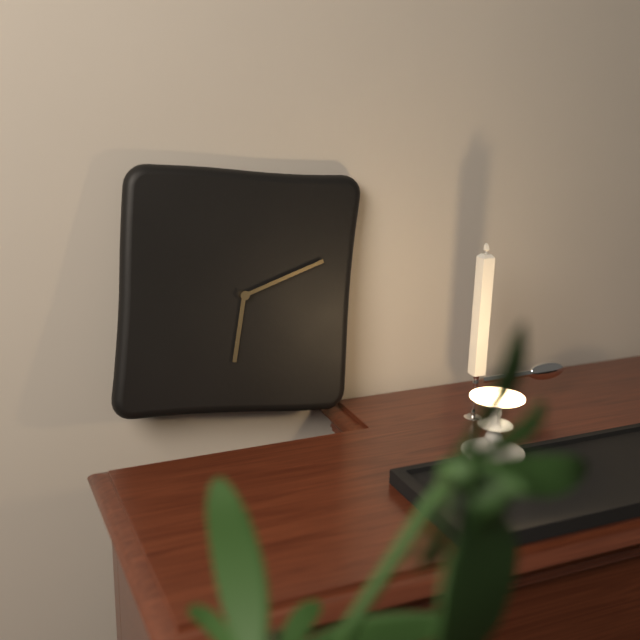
6.11
